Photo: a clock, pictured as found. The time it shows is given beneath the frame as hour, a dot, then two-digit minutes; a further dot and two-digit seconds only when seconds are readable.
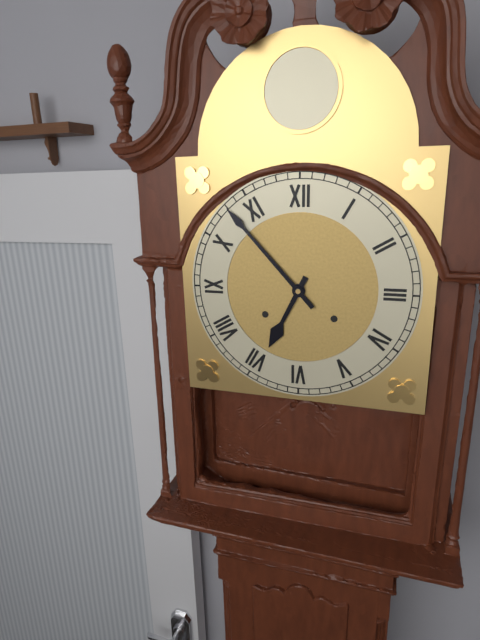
6.53
